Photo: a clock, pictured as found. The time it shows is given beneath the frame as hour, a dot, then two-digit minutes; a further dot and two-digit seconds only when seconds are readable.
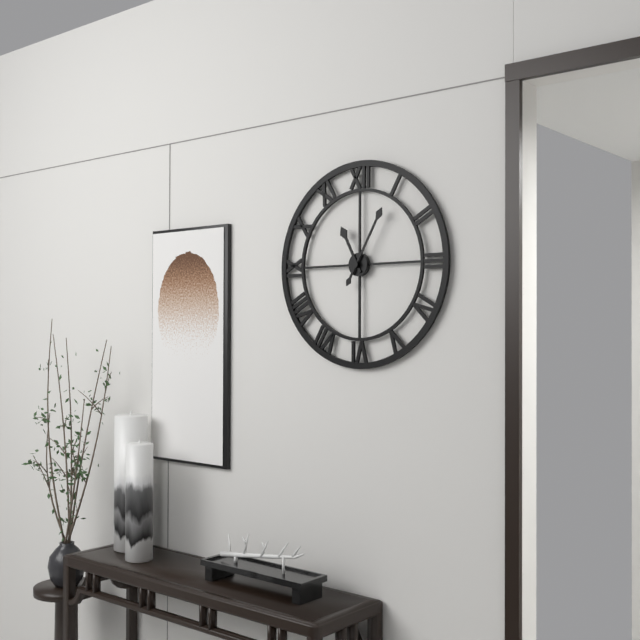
11.05
